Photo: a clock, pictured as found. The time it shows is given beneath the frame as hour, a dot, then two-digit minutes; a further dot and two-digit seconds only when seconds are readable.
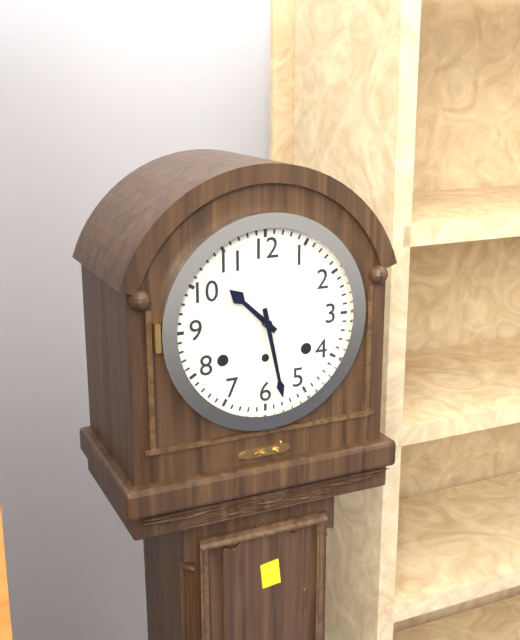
10.28
